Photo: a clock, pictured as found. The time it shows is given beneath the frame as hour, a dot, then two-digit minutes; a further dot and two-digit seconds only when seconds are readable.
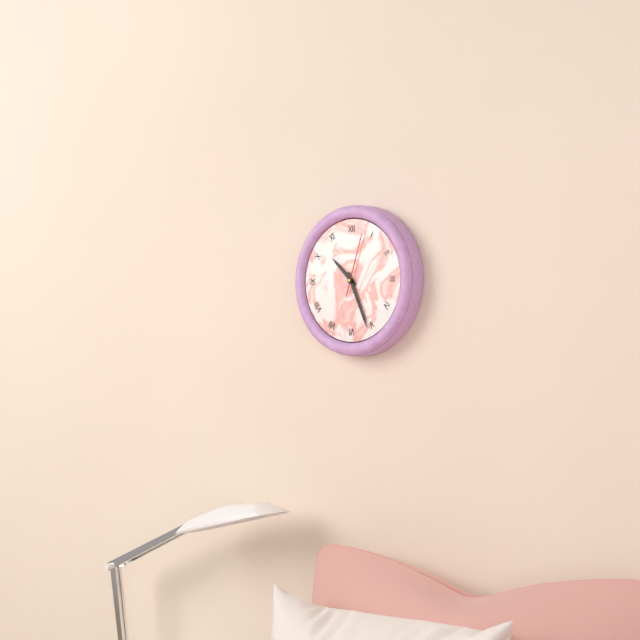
10.26.03
